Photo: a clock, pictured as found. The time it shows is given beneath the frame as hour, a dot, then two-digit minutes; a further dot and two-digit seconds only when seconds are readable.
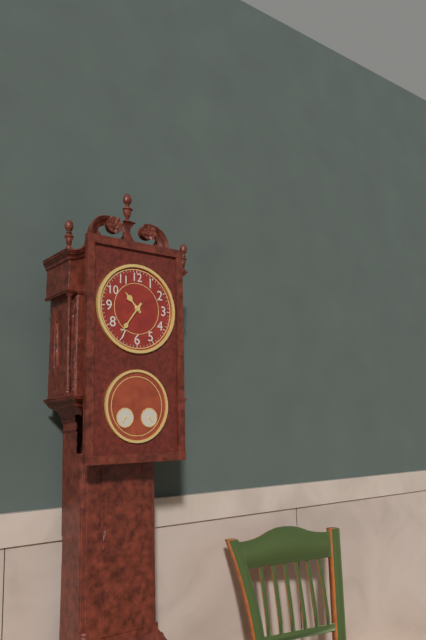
10.36
